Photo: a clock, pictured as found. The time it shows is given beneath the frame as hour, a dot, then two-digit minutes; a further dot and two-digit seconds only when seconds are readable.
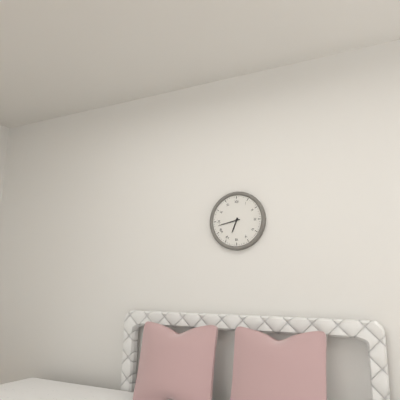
6.43
